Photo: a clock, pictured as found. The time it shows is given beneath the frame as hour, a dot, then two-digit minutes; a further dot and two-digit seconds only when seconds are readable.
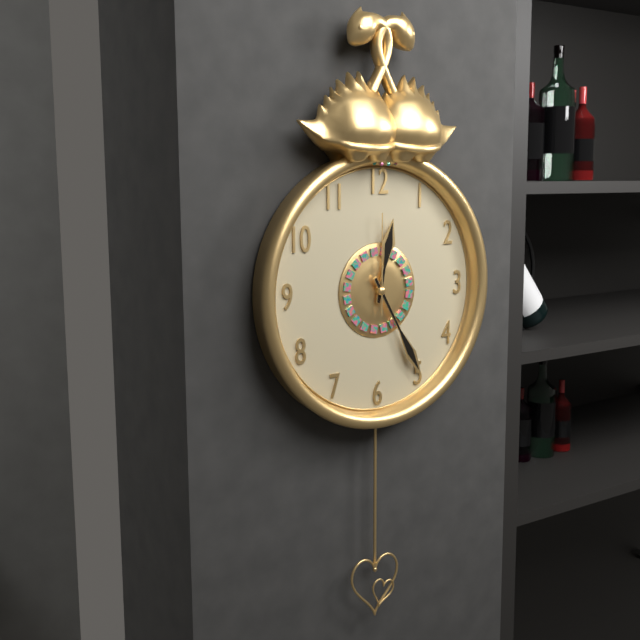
12.25.00
